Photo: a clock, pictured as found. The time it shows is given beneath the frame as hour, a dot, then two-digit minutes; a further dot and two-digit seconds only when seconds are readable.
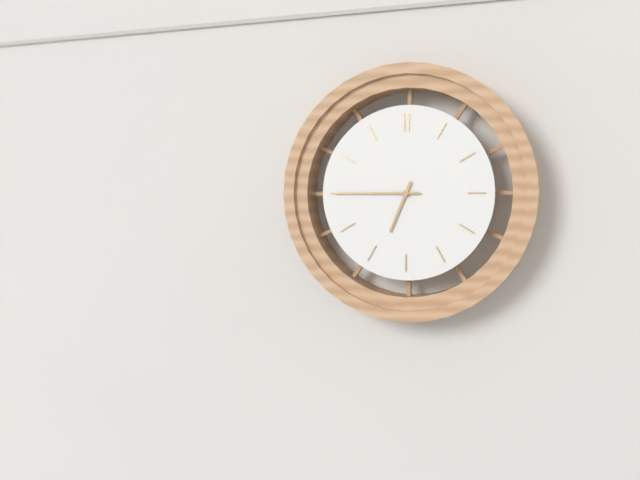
6.45
